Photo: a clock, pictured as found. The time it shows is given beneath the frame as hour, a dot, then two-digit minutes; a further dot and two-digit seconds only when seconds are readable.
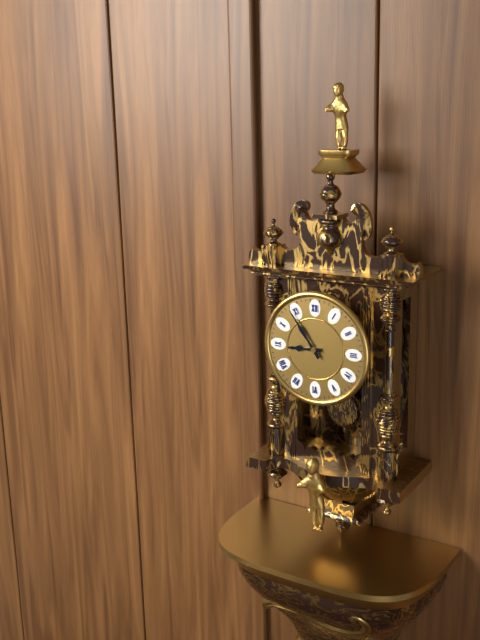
8.54
